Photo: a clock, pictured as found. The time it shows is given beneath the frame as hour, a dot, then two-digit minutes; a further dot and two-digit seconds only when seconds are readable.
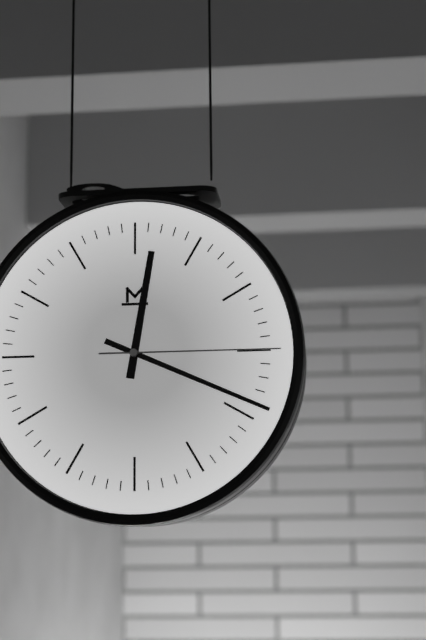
12.19.15
